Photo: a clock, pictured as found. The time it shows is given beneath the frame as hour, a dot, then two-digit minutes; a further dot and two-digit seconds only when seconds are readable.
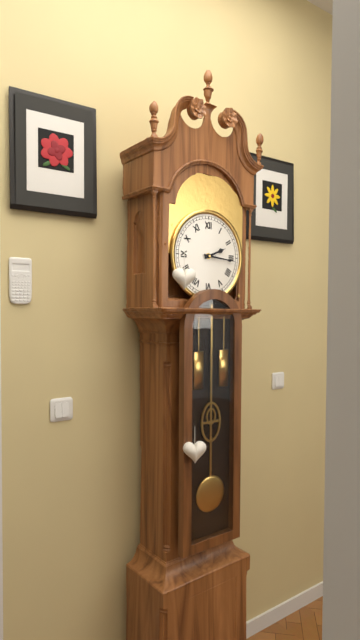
2.16
